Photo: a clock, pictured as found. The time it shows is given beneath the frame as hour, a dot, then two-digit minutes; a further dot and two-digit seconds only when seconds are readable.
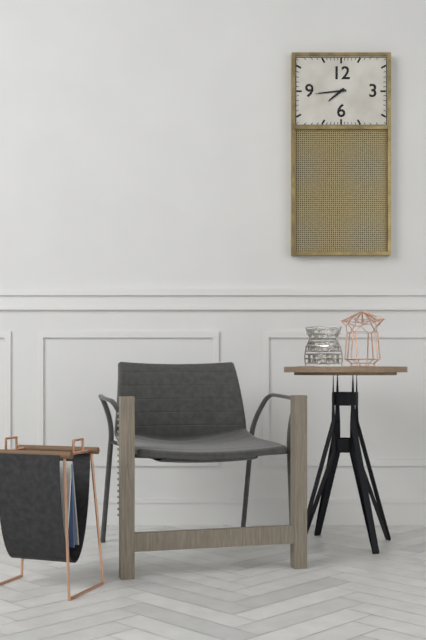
7.44
